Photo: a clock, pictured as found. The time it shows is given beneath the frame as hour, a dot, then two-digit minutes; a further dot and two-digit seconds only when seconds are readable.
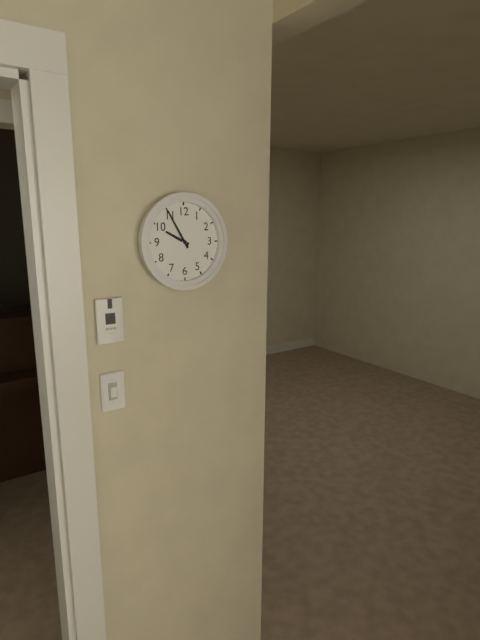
9.55
